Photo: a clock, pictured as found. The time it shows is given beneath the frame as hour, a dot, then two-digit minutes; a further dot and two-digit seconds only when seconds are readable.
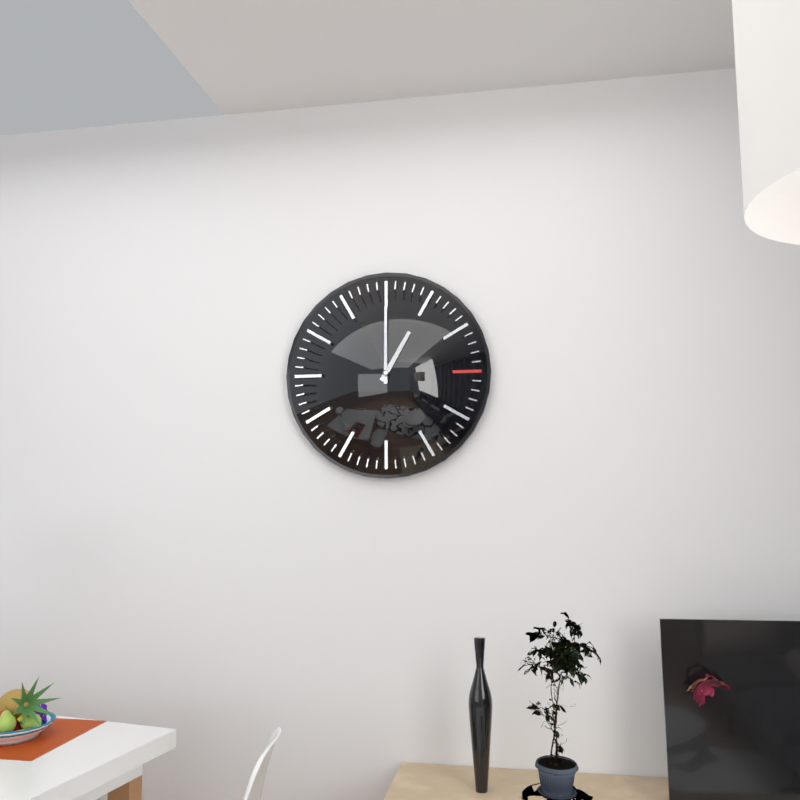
1.00
